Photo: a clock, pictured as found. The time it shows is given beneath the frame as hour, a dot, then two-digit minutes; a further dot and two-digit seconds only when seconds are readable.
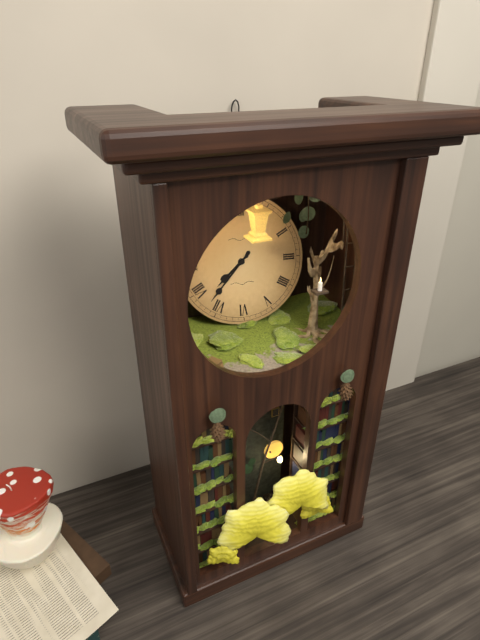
7.37
